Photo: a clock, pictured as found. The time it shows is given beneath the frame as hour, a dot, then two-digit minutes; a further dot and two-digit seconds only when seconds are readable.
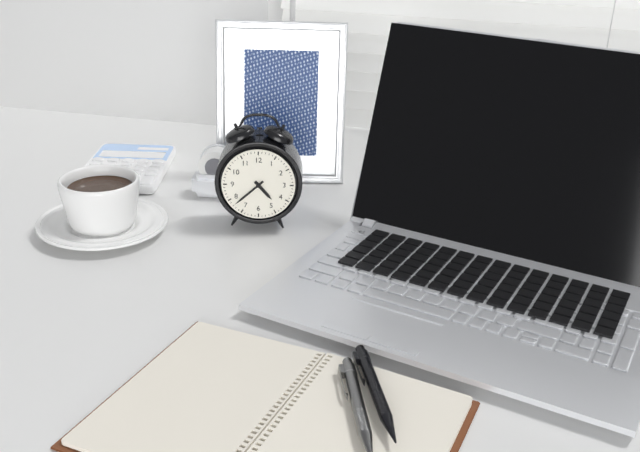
4.38
